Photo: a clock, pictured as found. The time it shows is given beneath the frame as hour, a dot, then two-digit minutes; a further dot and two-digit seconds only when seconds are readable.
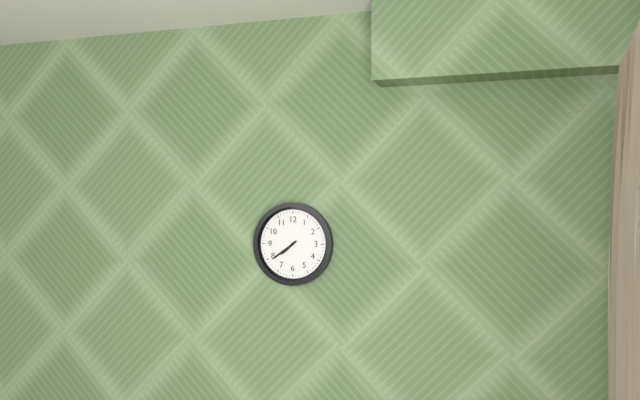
7.39
